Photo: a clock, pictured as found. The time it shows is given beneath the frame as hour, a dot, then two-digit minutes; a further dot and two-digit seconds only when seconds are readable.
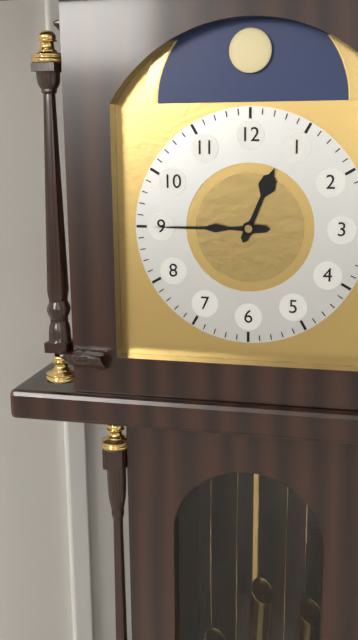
12.45
